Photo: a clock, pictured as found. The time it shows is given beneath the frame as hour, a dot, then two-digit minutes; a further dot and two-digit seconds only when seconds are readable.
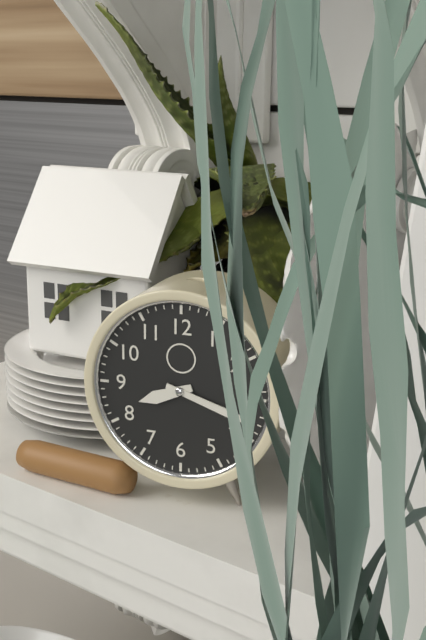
8.18
